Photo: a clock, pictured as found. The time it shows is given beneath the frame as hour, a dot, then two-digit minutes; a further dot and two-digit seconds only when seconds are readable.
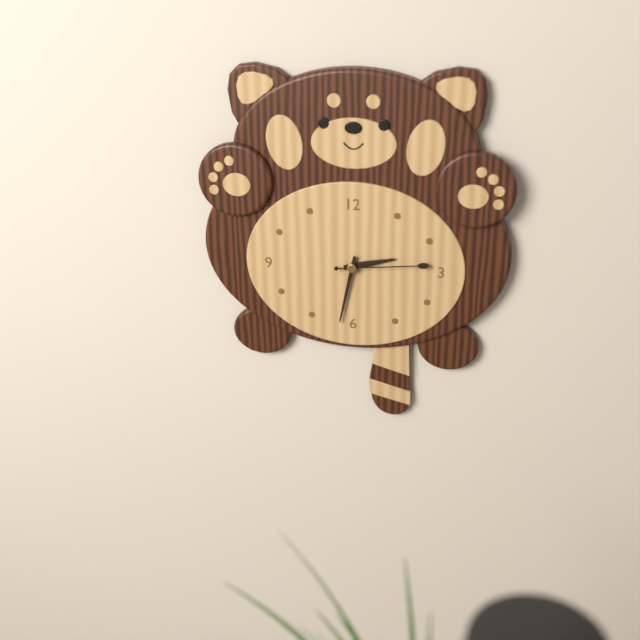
2.32.14
